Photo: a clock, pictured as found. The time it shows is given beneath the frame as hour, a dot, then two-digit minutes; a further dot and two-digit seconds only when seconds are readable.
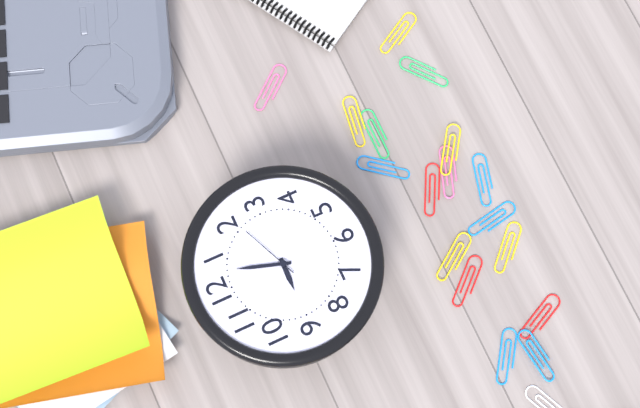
9.03.11
